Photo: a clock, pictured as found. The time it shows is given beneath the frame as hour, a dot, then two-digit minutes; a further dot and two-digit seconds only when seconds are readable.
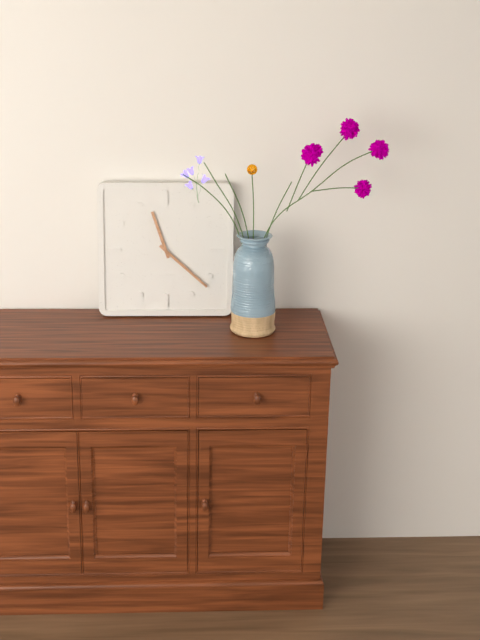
11.22
